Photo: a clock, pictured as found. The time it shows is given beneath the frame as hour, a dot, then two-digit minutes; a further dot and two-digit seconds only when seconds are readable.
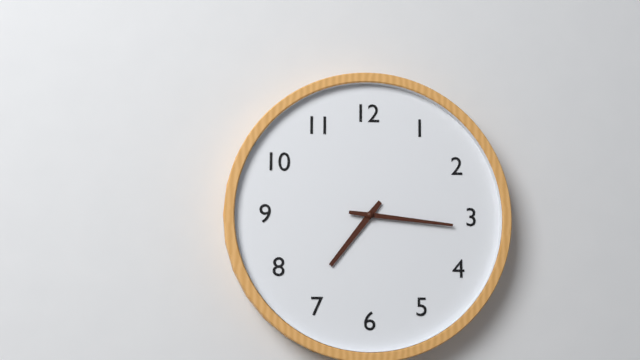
7.16
